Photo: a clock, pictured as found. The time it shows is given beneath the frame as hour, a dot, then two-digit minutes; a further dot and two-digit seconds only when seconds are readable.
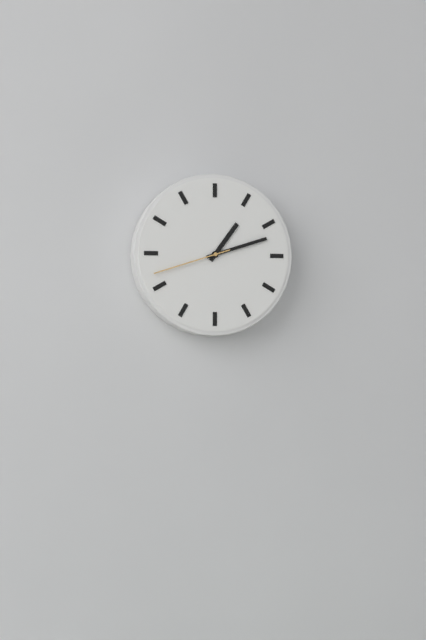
1.12.42
